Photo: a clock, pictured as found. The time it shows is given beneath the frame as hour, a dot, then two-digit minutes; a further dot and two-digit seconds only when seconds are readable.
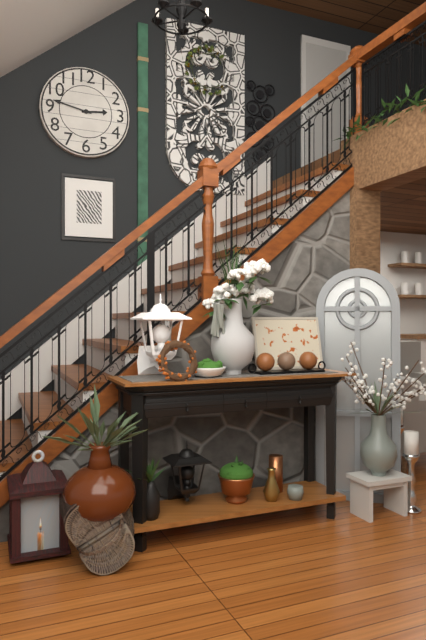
2.47
